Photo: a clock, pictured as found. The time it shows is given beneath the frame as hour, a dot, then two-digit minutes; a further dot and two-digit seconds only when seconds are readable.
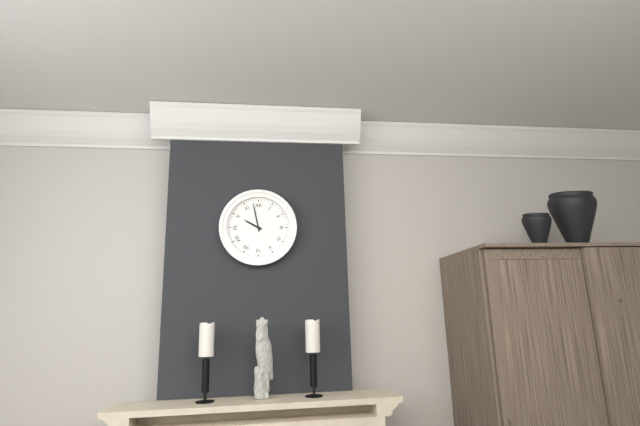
9.58
